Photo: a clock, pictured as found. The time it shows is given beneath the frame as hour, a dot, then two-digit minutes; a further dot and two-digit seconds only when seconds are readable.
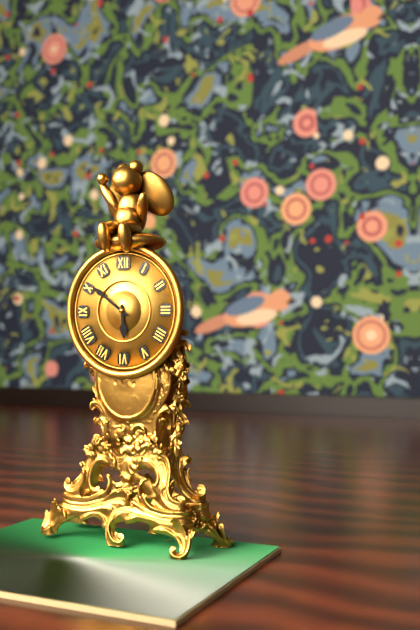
5.51
